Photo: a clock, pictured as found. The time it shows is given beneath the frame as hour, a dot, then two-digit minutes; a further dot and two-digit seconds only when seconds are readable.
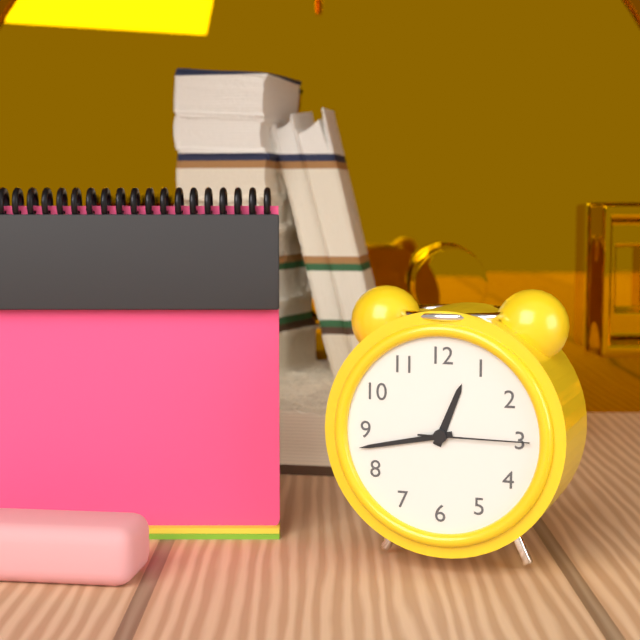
12.43.15
